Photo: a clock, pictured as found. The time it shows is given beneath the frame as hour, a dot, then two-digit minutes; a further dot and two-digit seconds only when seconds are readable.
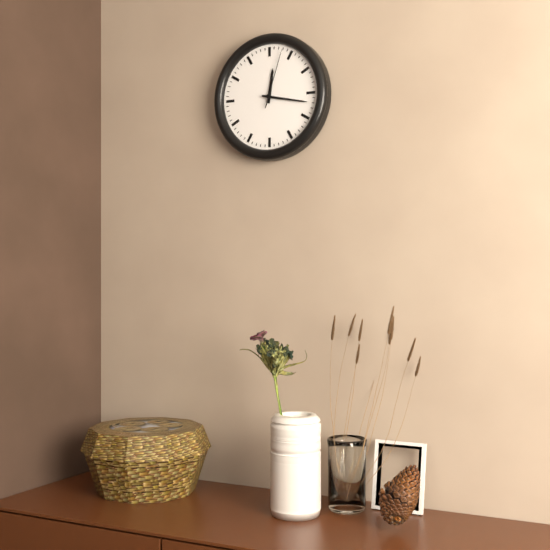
12.17.03
